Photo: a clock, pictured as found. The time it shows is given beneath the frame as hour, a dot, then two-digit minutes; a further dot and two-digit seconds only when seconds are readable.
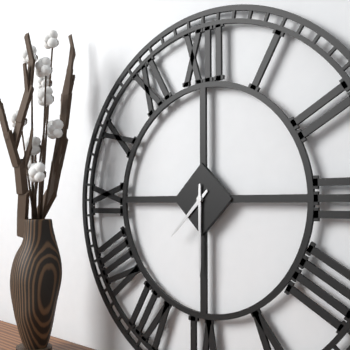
7.30
